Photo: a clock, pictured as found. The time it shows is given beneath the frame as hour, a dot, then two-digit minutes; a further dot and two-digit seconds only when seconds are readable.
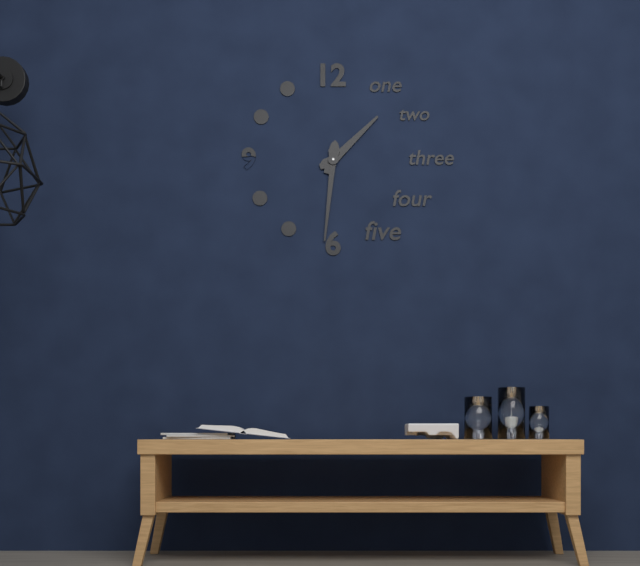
1.31
